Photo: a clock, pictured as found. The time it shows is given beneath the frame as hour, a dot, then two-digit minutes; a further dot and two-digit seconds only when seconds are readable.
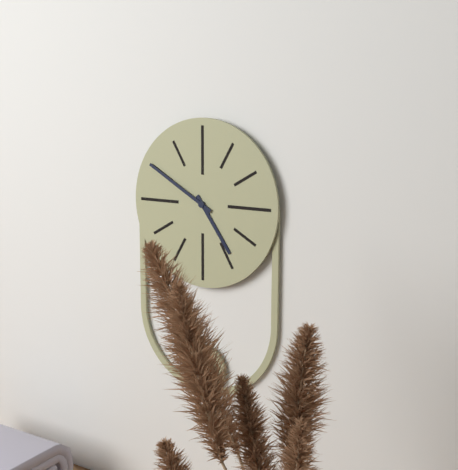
4.50
